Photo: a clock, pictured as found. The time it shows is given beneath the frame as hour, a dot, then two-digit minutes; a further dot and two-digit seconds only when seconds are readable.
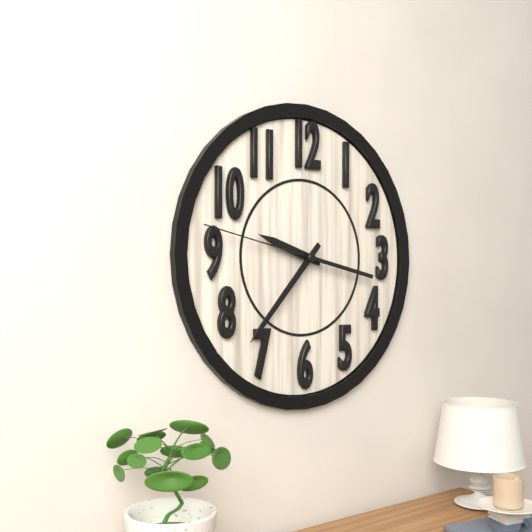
9.37.47
